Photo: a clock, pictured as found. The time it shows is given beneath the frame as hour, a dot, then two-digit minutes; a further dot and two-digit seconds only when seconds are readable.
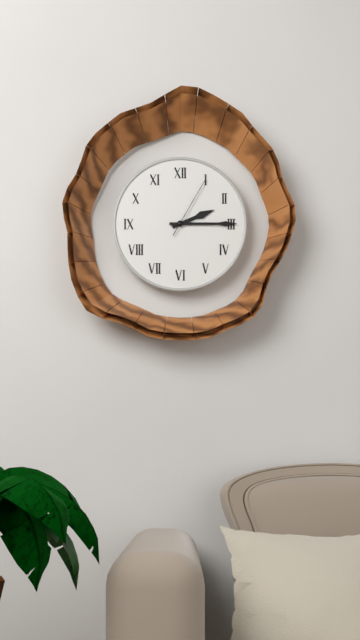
2.15.05
